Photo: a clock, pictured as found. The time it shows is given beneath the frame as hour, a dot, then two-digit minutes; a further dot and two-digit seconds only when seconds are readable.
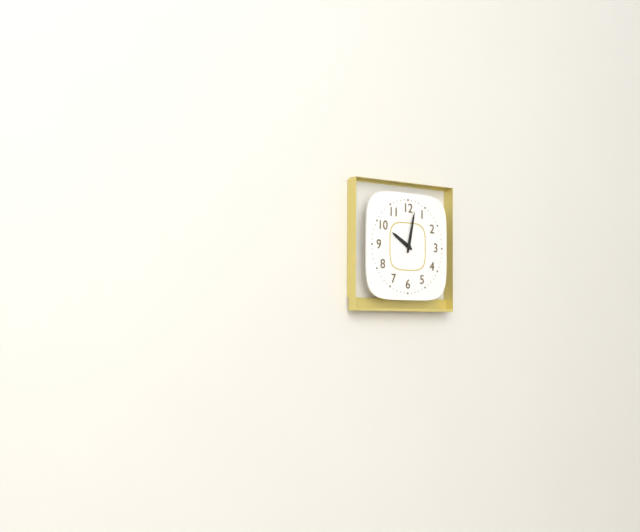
10.02
